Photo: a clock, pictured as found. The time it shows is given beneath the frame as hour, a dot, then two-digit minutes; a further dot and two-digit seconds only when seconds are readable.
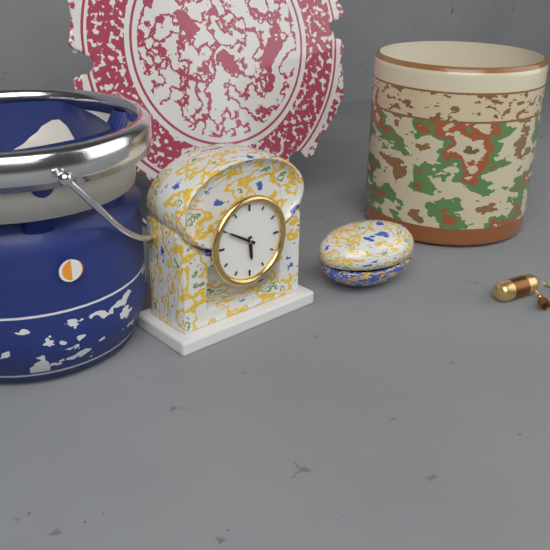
5.50
